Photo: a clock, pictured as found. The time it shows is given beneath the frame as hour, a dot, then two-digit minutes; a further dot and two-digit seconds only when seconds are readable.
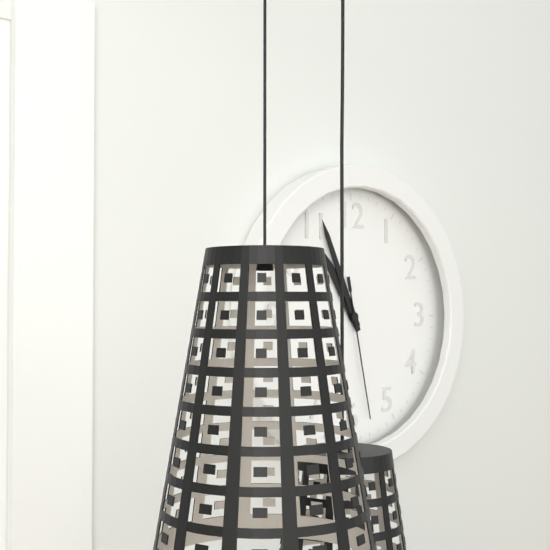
10.56.28
